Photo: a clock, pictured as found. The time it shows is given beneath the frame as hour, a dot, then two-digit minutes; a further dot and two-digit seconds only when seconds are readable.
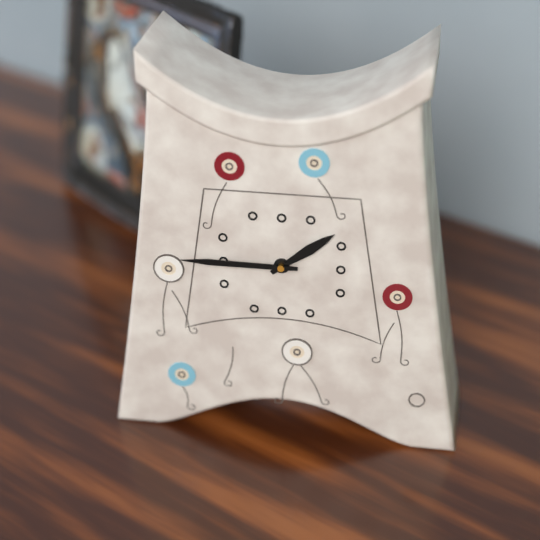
1.45
